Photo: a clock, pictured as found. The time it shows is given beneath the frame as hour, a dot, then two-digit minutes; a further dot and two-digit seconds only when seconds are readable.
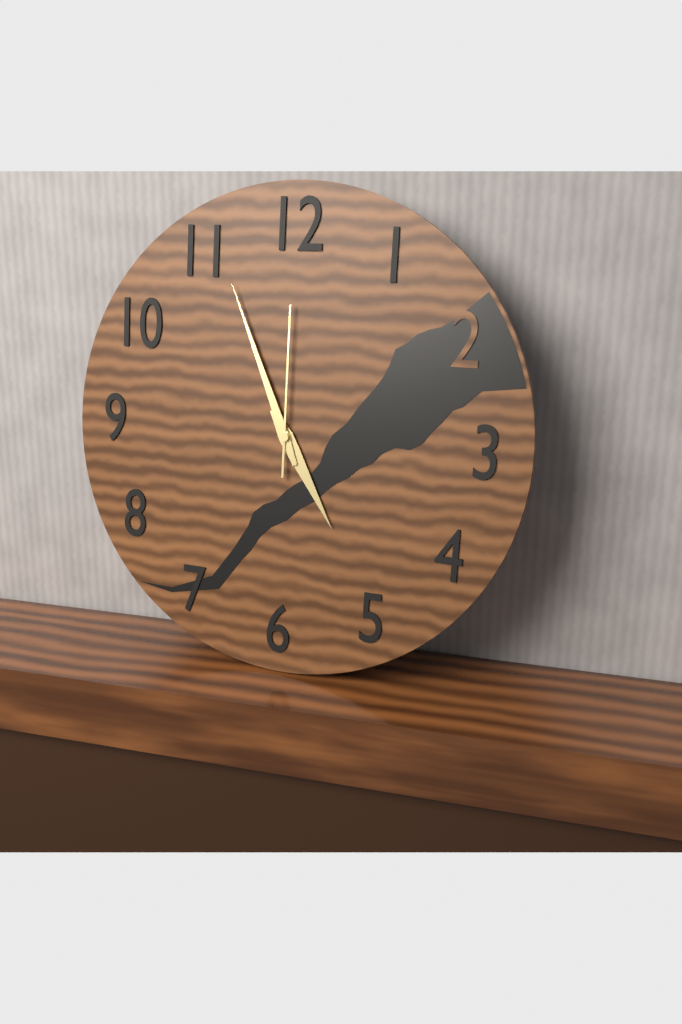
4.56.00
